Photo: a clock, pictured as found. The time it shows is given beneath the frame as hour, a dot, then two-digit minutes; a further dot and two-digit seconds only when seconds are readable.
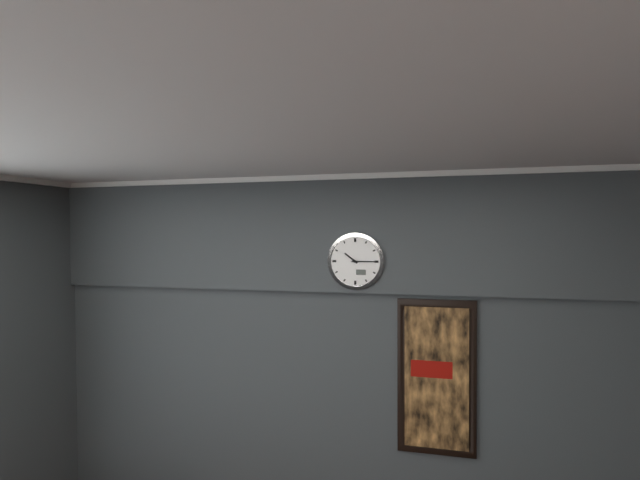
10.15
